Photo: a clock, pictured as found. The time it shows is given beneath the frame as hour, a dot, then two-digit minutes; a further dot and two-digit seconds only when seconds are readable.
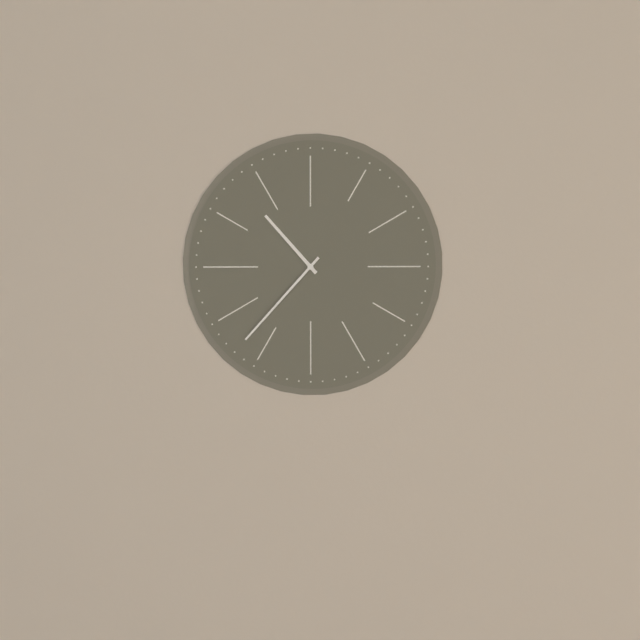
10.37
